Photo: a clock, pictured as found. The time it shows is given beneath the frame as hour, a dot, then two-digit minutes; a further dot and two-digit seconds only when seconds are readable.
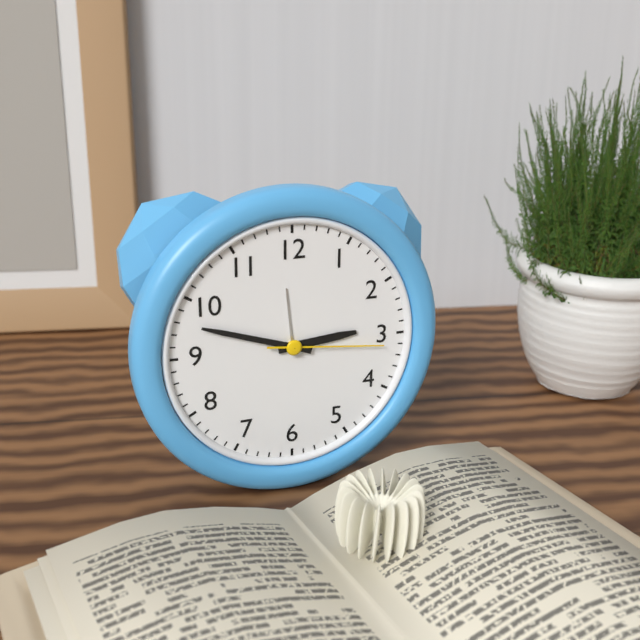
2.48.16
